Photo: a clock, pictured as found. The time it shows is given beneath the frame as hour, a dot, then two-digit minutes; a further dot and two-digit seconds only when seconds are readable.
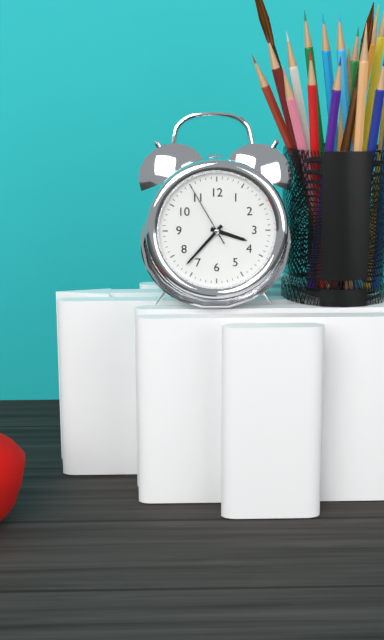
3.37.55
